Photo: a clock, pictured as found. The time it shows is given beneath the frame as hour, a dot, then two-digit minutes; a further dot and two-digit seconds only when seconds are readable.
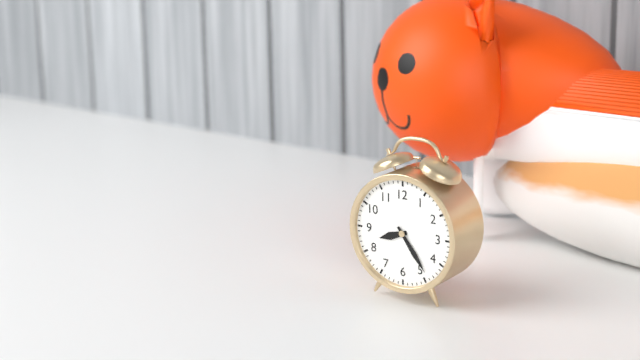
8.24
